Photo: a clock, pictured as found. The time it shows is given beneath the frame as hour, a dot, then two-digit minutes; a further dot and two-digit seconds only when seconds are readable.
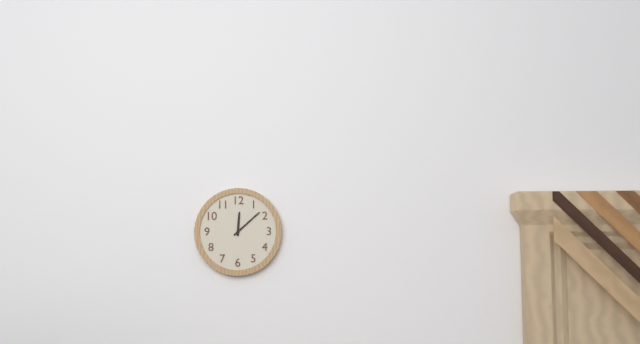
12.08
